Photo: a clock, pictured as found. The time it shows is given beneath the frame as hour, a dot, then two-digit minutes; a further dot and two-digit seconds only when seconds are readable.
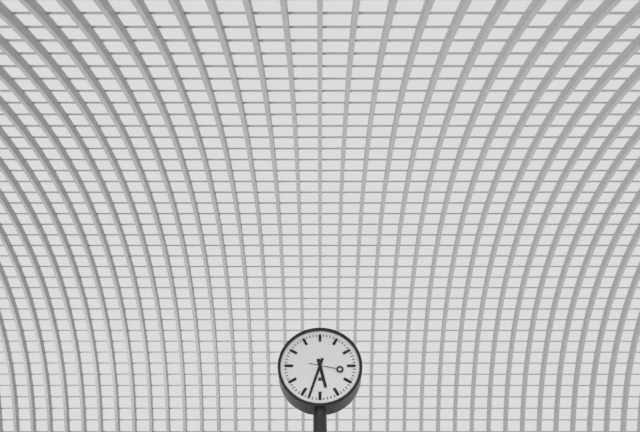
5.33
